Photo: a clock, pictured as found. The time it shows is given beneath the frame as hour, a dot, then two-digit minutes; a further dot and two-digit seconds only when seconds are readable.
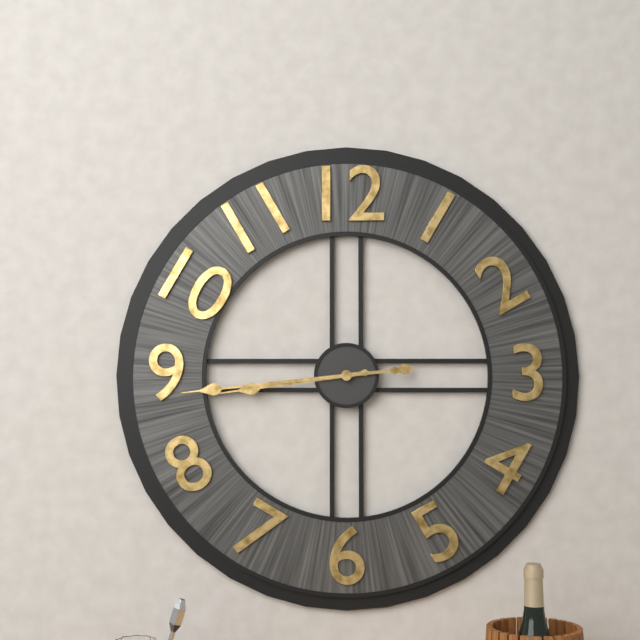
8.44
